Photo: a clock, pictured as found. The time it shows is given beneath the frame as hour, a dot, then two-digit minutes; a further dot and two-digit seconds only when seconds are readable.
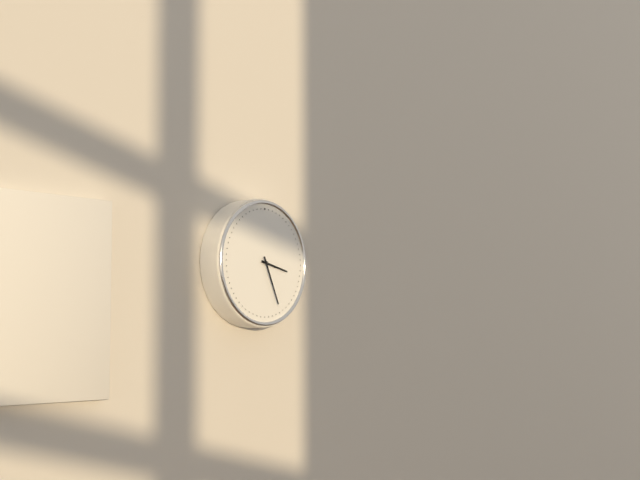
3.26
